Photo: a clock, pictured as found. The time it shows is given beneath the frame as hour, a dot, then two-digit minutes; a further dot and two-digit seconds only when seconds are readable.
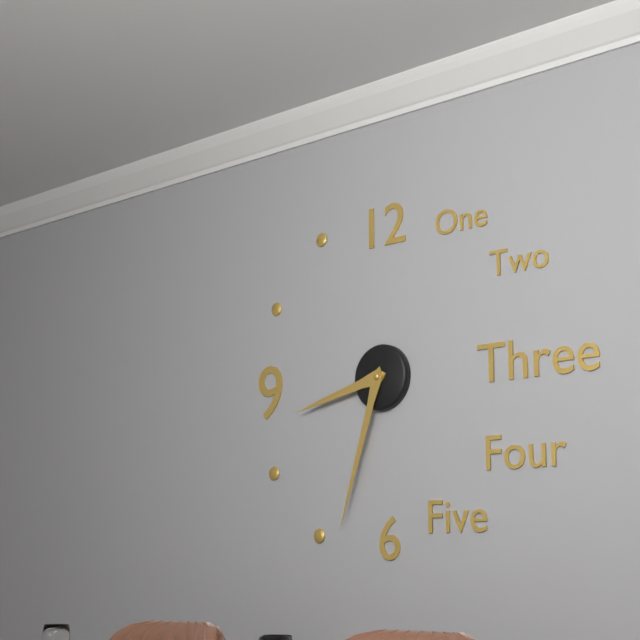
8.33
